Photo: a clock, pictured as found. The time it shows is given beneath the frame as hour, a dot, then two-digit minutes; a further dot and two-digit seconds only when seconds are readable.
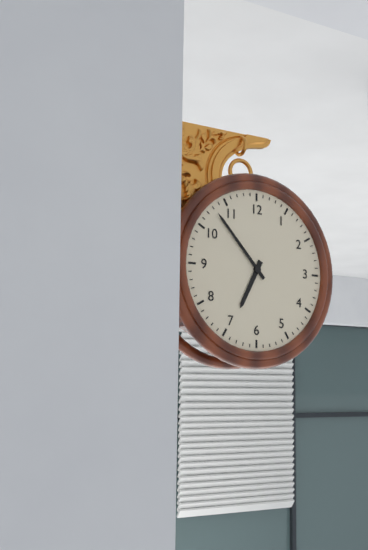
6.53
